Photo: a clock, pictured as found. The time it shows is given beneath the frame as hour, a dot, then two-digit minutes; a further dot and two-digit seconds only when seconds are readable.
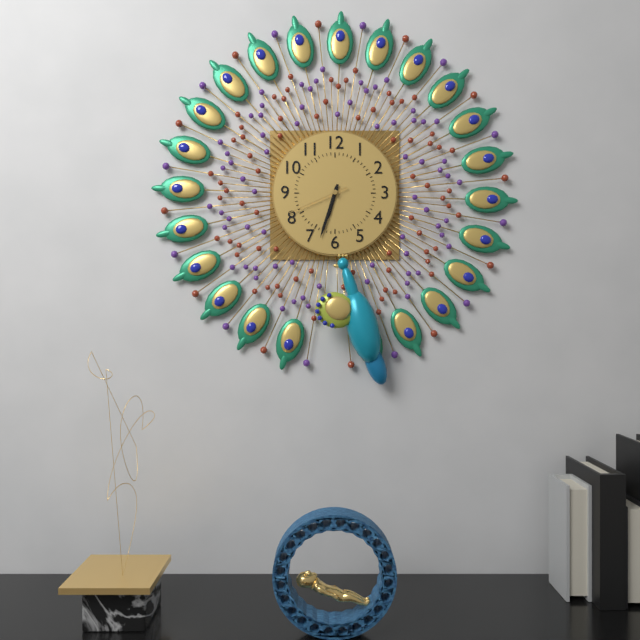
6.33.41
